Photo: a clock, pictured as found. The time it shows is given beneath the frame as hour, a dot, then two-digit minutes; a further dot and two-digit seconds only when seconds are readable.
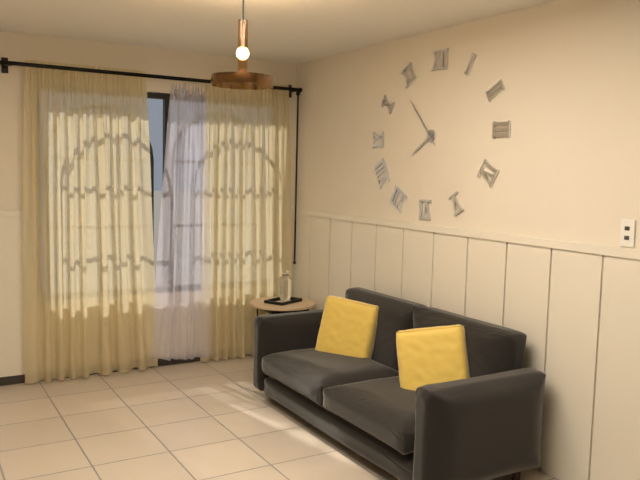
7.53
